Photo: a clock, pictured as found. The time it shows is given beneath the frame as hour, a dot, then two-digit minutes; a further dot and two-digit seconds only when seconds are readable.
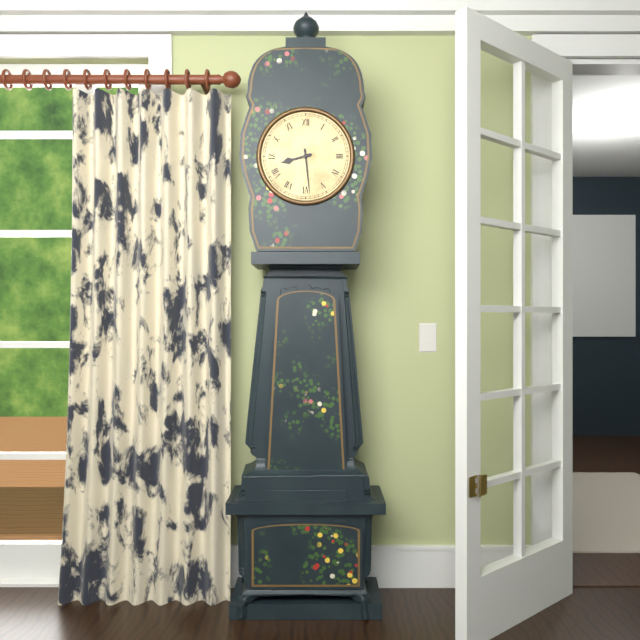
8.29
